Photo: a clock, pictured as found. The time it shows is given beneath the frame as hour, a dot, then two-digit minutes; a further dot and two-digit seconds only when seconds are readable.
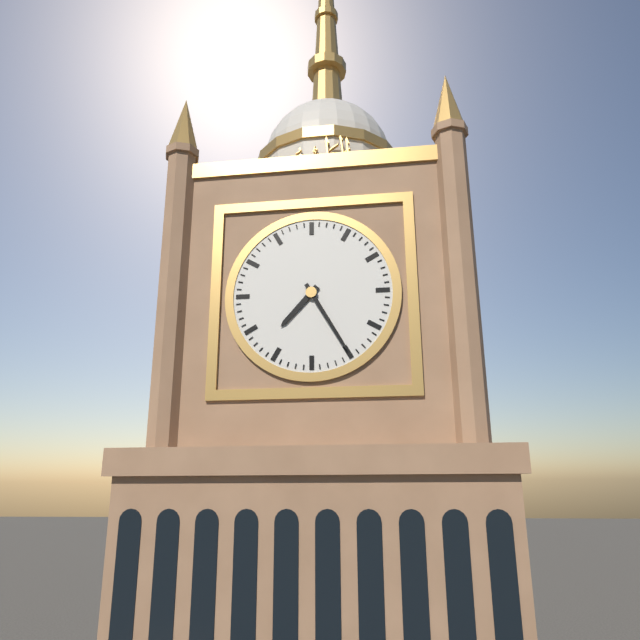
7.25
